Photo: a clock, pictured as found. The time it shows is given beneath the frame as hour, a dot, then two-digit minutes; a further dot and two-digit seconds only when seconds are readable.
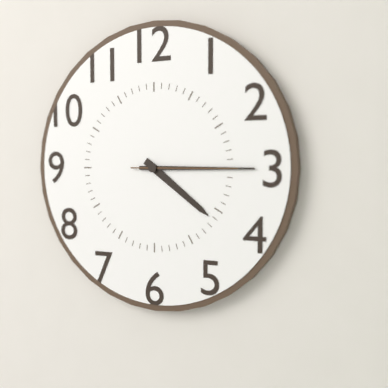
4.15.15
